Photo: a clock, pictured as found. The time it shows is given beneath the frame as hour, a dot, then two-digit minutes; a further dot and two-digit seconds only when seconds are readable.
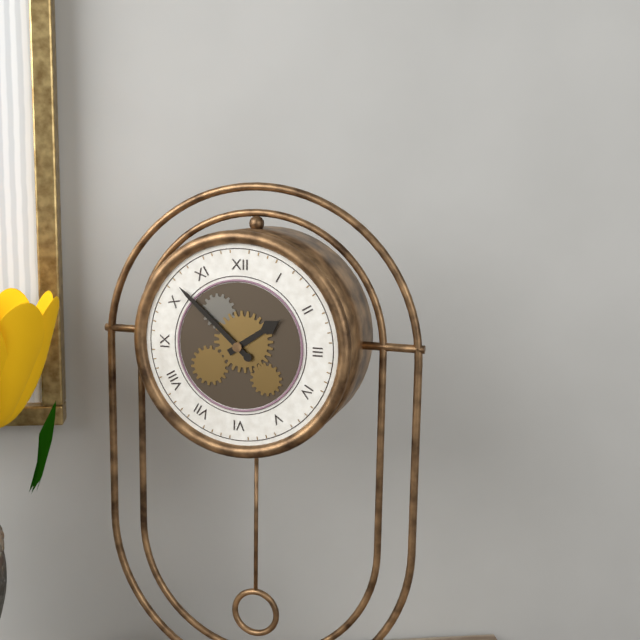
1.52
